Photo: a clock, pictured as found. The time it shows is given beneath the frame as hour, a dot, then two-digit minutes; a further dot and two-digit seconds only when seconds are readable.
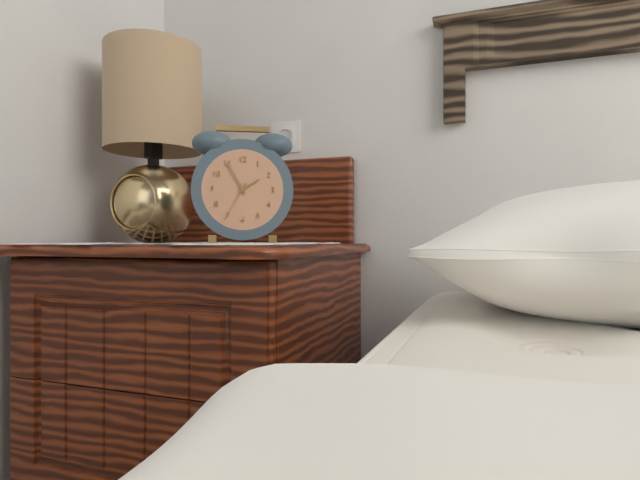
1.55
